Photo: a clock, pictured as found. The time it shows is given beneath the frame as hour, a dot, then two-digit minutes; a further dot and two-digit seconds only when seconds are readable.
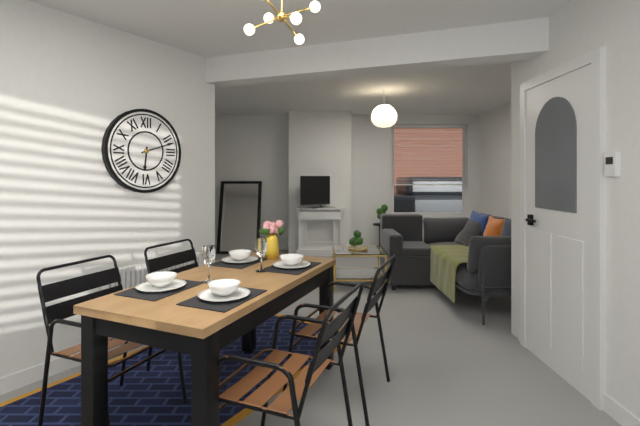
6.12
